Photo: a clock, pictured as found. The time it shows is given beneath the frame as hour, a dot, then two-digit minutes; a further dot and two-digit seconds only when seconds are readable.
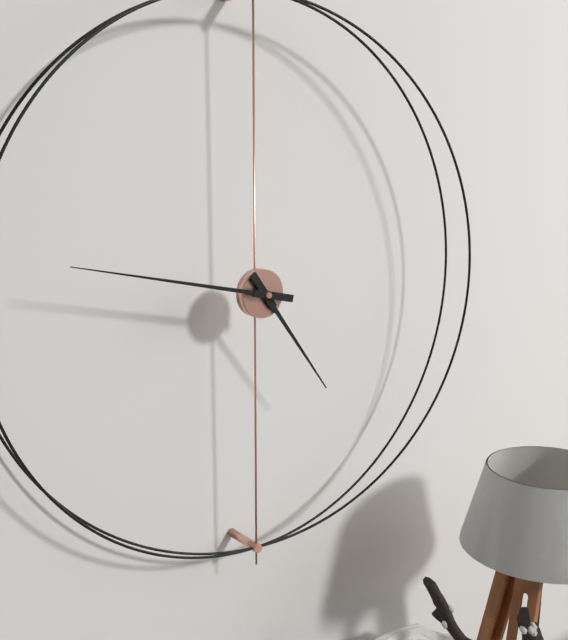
4.47
